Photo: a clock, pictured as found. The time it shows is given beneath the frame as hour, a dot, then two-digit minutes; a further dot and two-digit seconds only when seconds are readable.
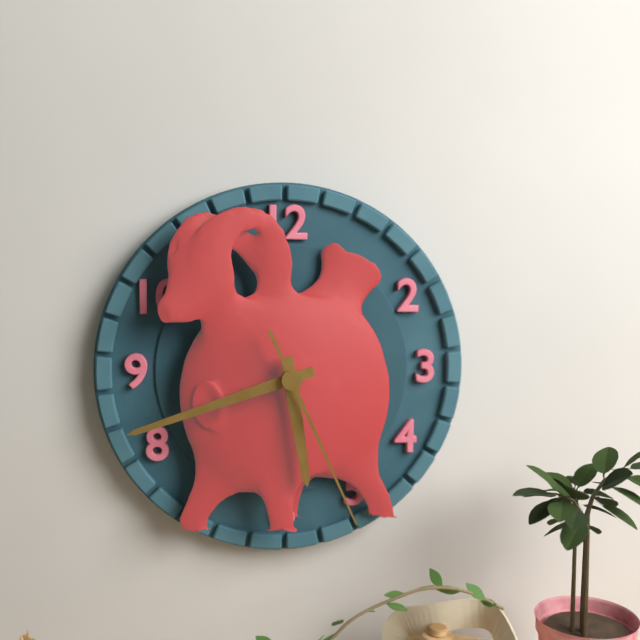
5.42.26
